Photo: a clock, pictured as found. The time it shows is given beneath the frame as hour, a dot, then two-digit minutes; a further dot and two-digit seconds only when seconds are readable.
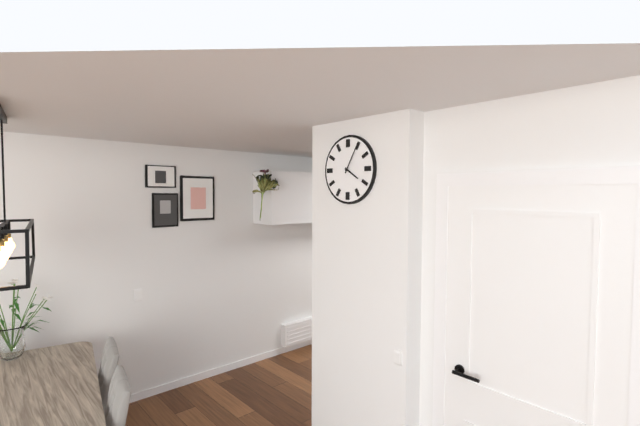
4.05
